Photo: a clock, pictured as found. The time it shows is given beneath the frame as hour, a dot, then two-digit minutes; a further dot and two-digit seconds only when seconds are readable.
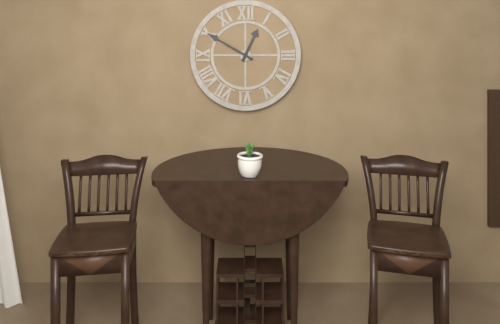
12.50
